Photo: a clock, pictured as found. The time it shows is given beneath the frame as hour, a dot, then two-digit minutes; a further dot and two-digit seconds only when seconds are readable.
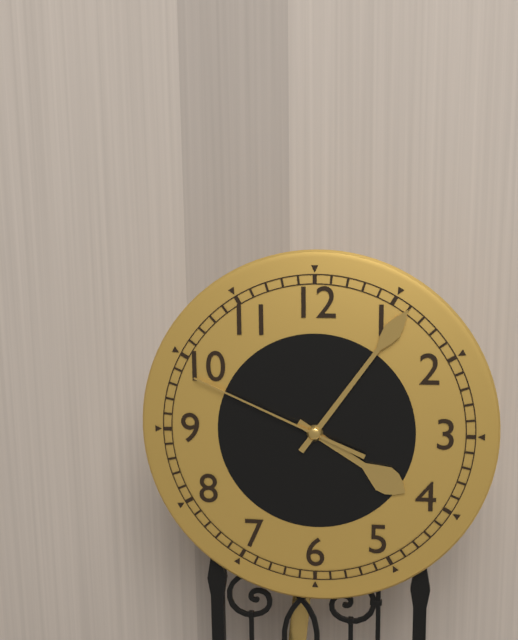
4.06.49
